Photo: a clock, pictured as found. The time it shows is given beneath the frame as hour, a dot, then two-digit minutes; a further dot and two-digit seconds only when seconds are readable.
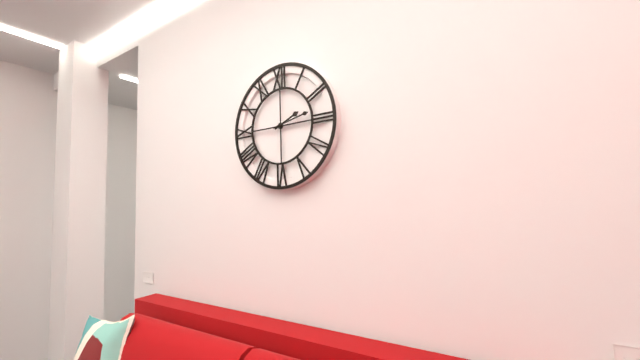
2.13
